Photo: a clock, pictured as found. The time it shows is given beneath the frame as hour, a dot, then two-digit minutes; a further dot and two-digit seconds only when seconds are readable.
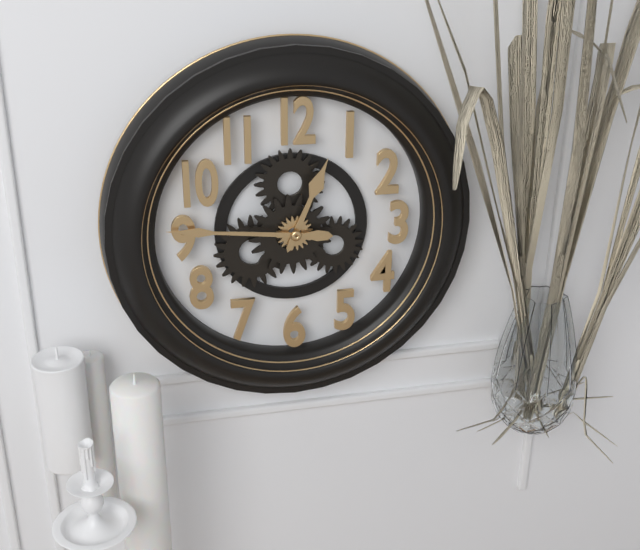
12.46
